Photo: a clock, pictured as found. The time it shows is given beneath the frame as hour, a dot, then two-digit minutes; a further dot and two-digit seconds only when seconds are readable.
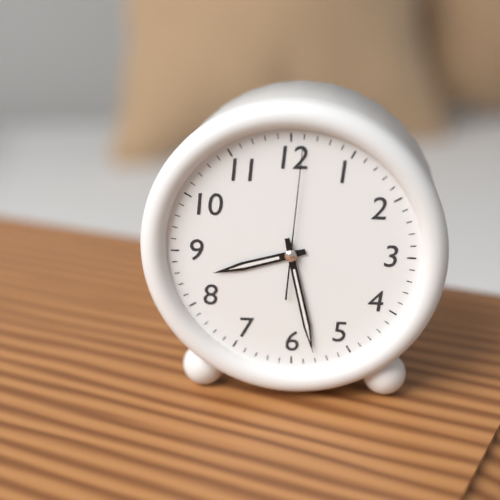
8.28.01
